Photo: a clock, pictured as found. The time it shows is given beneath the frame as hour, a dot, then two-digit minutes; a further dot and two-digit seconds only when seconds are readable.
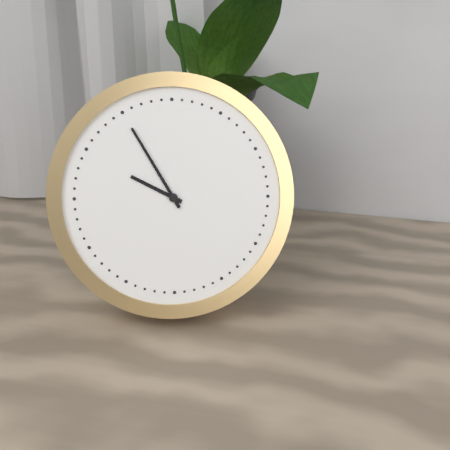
9.55
